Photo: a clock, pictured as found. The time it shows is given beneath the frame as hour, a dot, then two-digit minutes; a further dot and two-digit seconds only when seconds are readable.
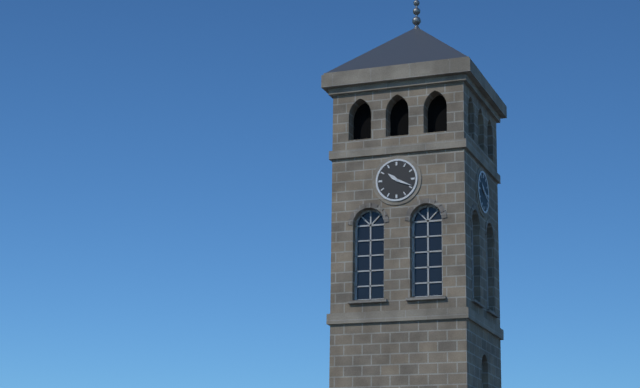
10.19
